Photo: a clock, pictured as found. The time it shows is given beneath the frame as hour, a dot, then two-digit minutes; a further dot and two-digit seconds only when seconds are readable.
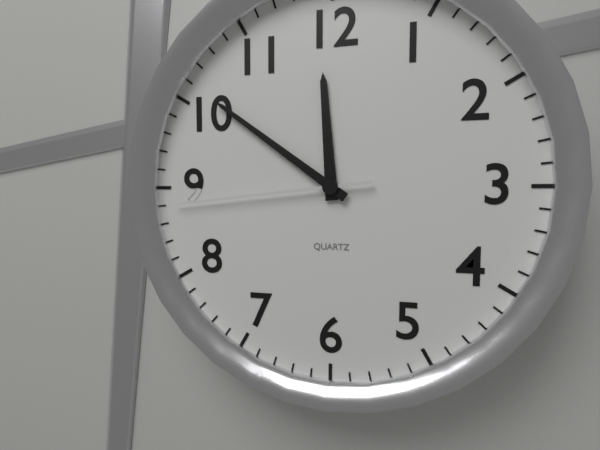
11.51.44
